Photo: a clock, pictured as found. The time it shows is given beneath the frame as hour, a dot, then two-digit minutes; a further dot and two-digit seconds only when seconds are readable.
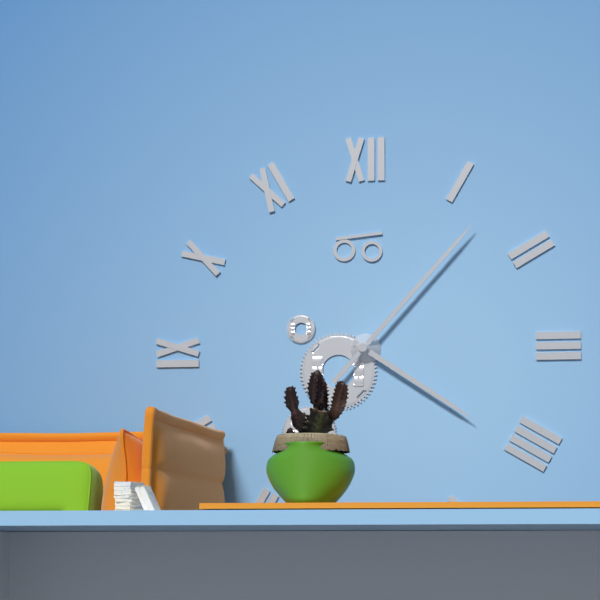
4.07
